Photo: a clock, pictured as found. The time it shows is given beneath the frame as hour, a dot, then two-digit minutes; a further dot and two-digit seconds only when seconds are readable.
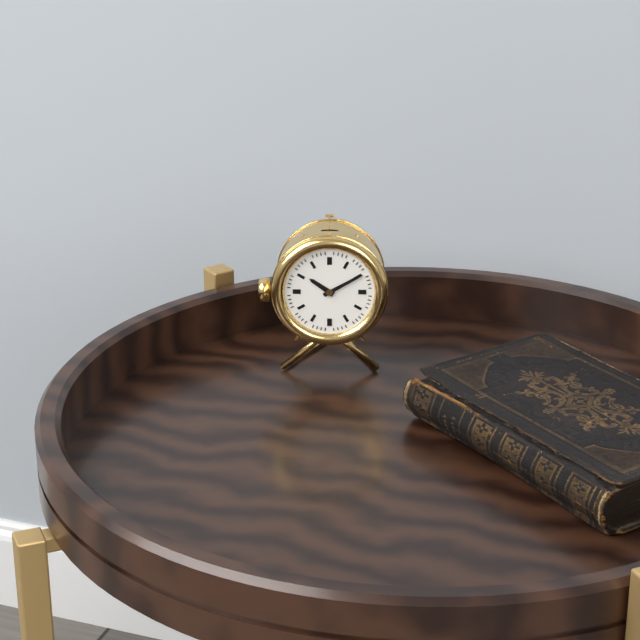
10.10
